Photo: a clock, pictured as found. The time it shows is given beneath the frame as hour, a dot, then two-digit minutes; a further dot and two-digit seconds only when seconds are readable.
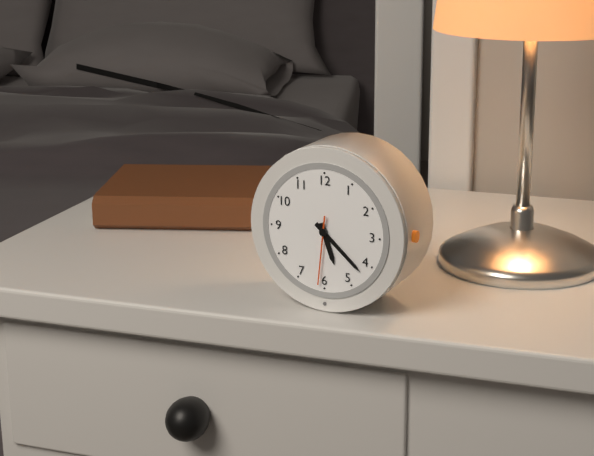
5.22.31
